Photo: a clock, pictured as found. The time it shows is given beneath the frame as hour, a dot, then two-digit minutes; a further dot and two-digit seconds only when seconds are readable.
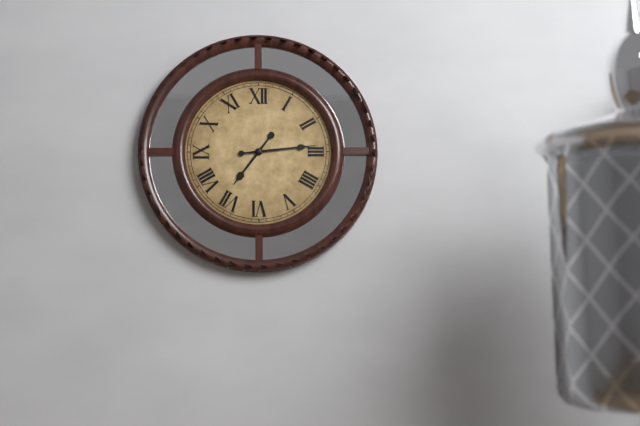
7.14
